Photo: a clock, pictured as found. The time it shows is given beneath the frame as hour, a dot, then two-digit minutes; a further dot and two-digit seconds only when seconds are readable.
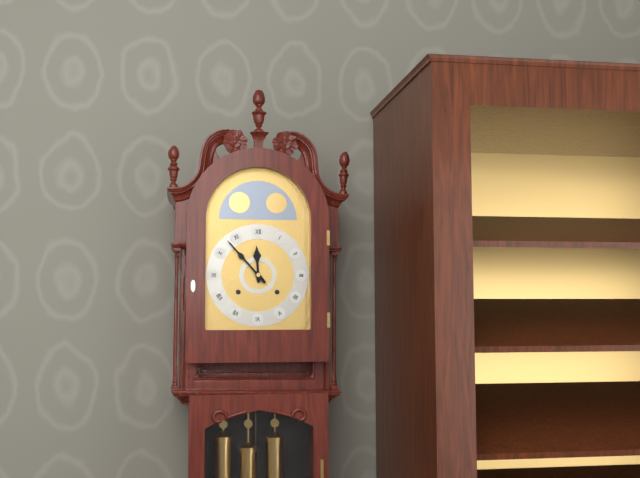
11.53
